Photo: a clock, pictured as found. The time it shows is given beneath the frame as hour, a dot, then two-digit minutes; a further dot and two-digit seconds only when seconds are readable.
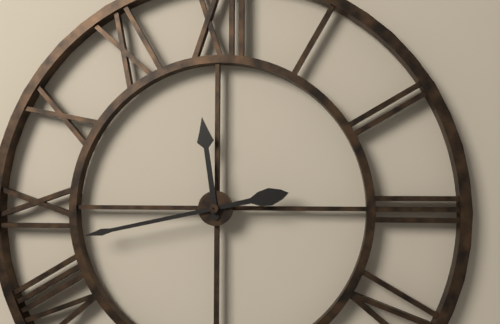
11.43
